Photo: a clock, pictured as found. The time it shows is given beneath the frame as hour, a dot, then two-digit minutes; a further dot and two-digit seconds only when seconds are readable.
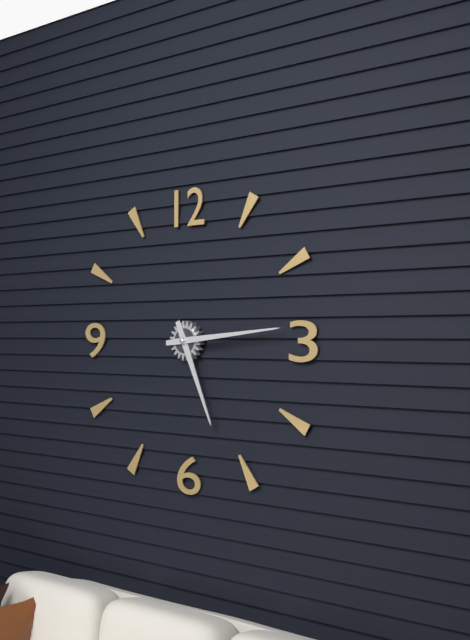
5.14
